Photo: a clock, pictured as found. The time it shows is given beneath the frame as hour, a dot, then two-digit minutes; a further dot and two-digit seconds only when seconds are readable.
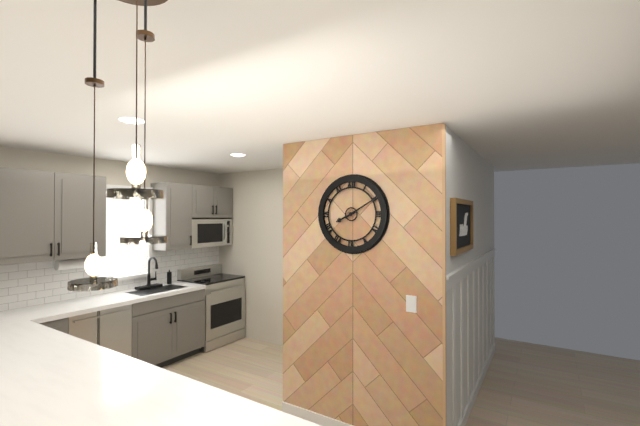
8.10
